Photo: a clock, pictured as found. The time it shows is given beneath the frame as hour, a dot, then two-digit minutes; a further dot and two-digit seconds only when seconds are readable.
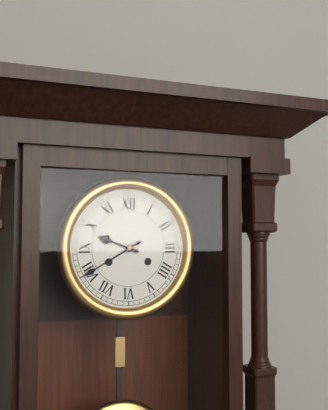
9.40
